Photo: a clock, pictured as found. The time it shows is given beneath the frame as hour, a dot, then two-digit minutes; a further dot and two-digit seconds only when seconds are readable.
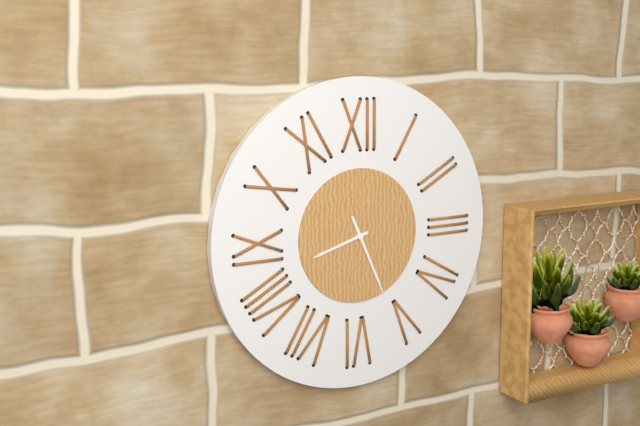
8.26
